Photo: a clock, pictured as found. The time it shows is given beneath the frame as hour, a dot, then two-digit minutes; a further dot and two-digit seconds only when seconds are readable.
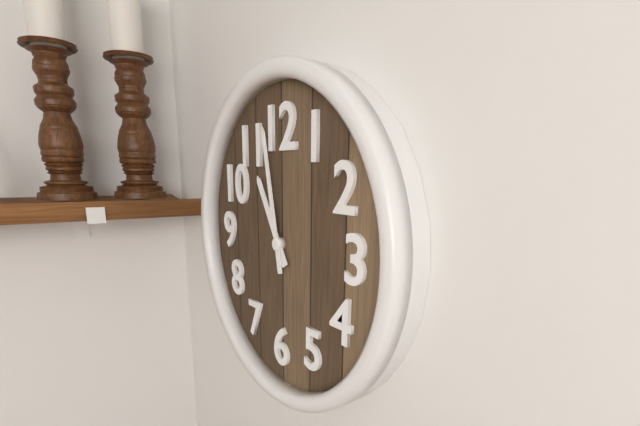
10.58
